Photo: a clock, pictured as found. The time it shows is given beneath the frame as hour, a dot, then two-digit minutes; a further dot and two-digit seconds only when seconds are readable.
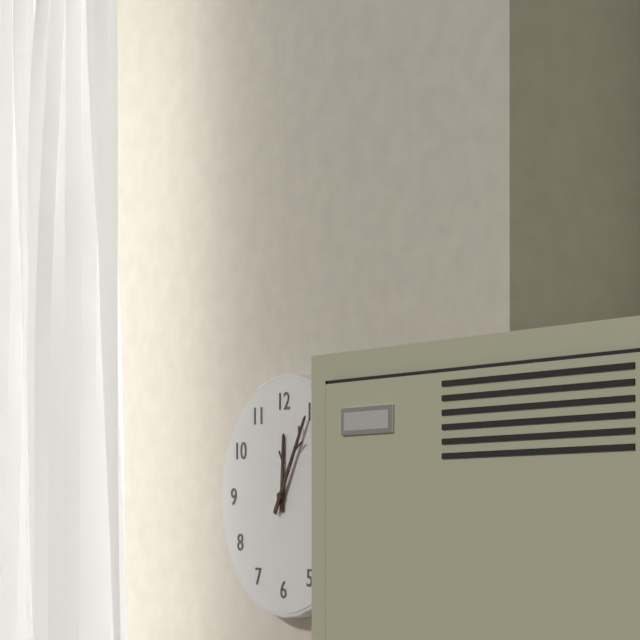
12.05
